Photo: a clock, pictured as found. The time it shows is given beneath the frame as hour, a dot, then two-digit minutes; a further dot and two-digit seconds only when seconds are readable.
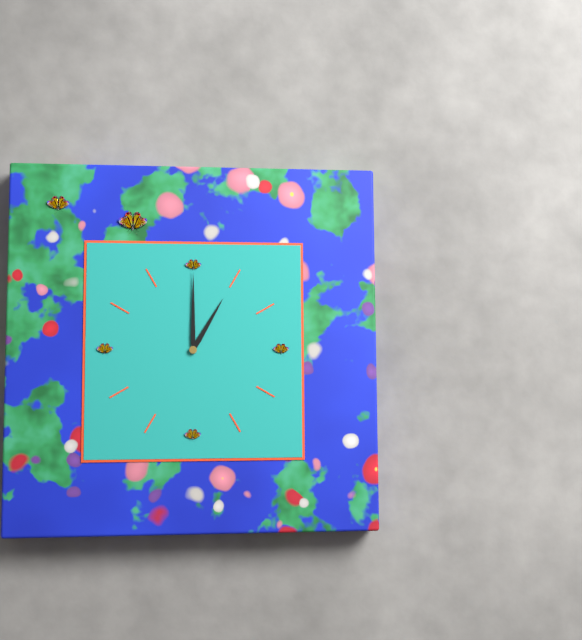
1.00
